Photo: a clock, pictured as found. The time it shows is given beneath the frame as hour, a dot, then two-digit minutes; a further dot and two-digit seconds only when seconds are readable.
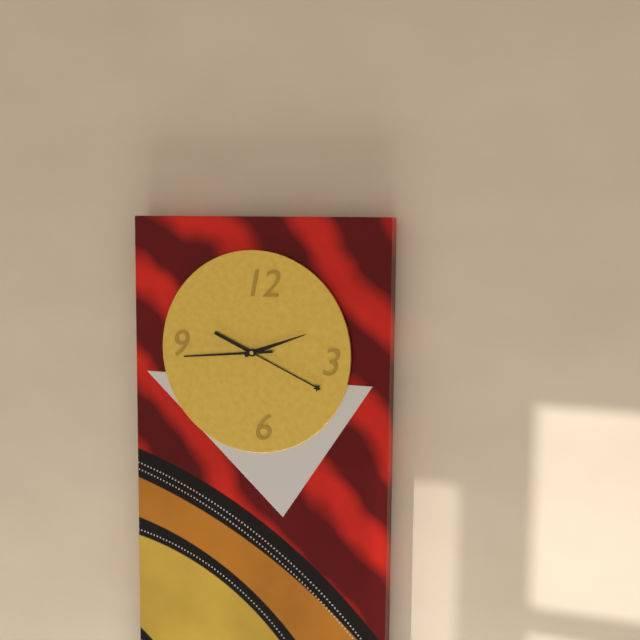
2.19.44
